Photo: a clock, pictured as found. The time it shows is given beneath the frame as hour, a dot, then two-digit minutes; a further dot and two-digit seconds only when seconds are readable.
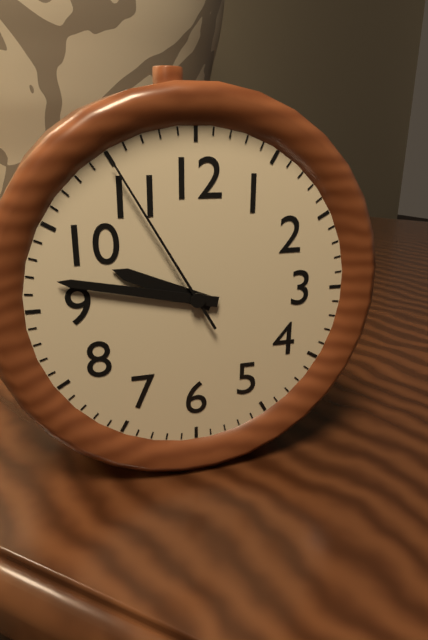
9.47.55
